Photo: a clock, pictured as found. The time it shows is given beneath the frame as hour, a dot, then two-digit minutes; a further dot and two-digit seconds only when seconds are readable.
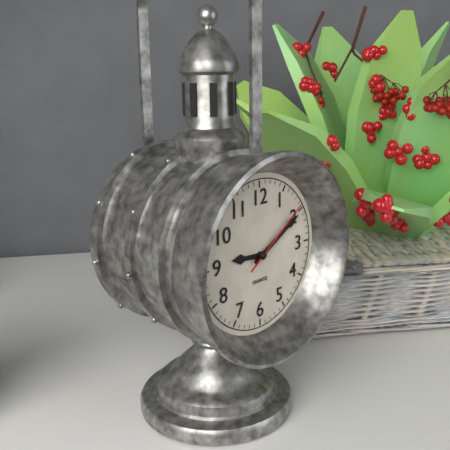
9.10.09
